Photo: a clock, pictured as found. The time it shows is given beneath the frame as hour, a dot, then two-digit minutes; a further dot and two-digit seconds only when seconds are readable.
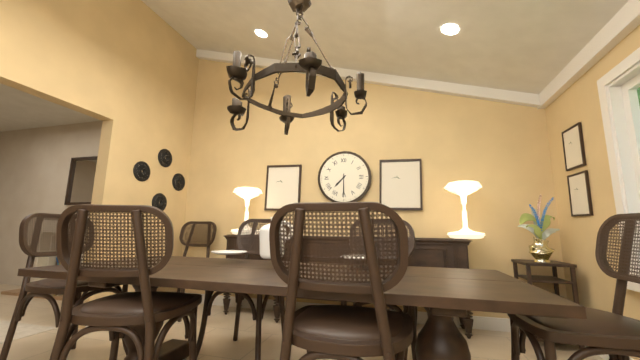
7.30
